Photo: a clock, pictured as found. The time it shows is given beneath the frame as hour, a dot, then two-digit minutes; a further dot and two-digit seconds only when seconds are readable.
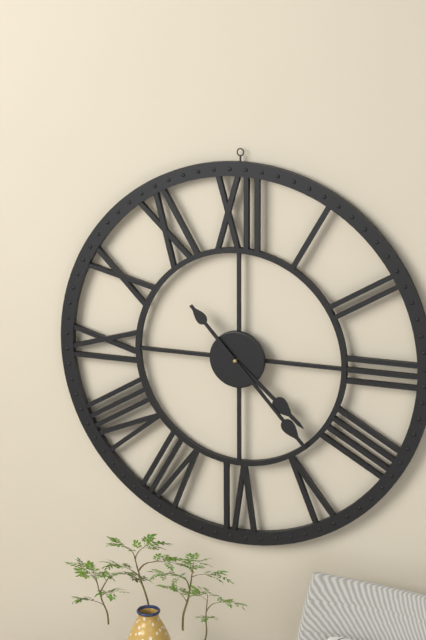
4.23
